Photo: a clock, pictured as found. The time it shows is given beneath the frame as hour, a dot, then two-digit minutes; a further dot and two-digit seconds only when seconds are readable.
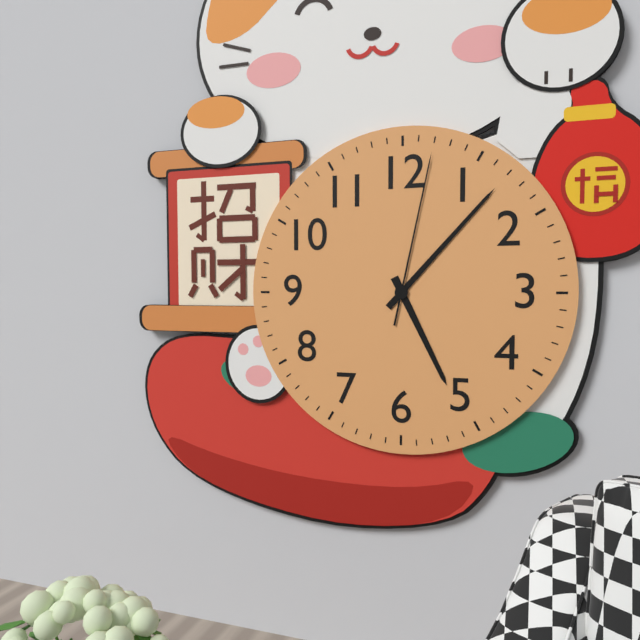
5.07.02
